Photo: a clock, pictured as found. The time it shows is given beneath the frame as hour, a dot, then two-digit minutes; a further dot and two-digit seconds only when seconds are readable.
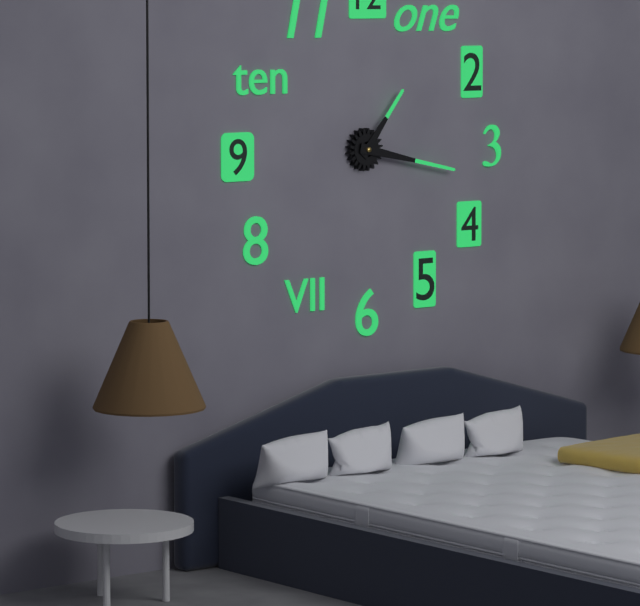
1.17
